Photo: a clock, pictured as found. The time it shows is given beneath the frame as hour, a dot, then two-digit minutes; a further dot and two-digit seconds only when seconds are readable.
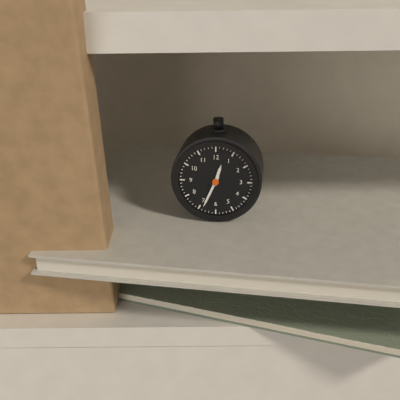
12.34
